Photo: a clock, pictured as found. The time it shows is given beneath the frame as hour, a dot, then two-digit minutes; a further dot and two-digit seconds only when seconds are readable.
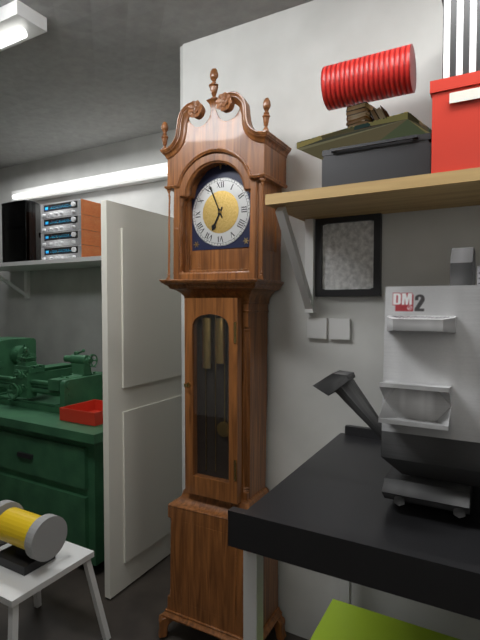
6.56
